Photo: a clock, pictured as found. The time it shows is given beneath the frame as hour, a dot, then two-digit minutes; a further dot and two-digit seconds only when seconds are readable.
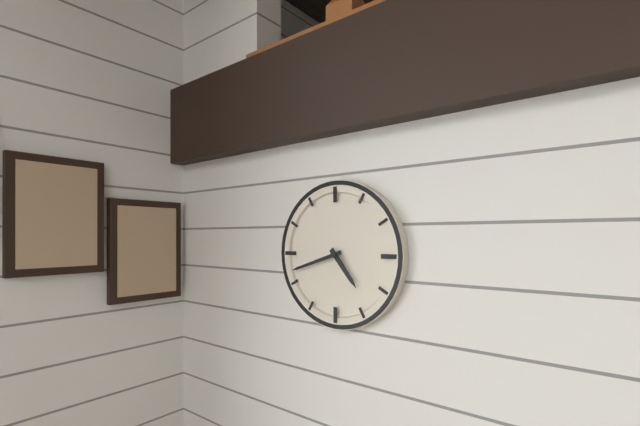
4.42
